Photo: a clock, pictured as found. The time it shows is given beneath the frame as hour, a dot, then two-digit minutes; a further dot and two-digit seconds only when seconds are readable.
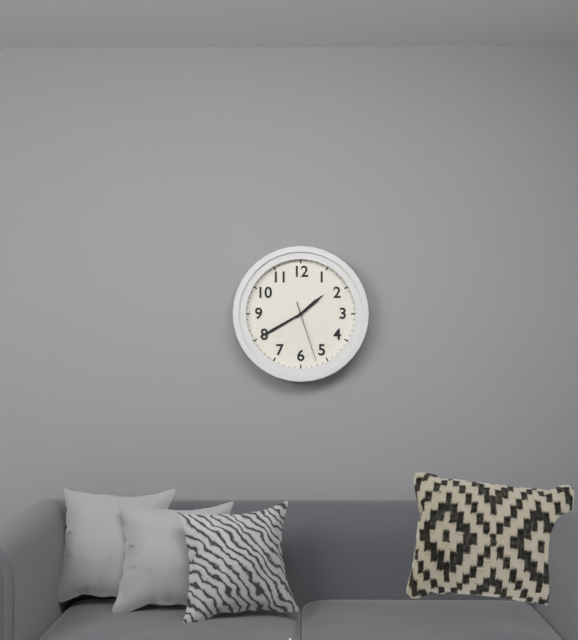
1.40.27
